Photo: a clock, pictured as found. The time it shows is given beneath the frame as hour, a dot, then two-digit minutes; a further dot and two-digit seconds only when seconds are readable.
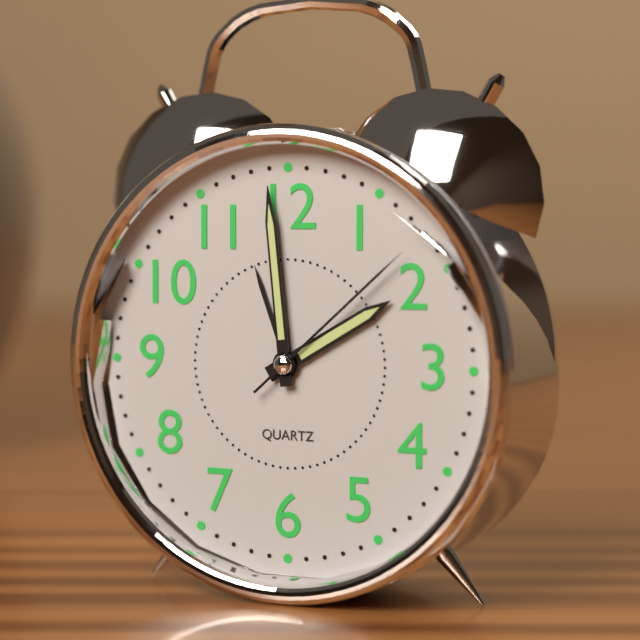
1.59.08
